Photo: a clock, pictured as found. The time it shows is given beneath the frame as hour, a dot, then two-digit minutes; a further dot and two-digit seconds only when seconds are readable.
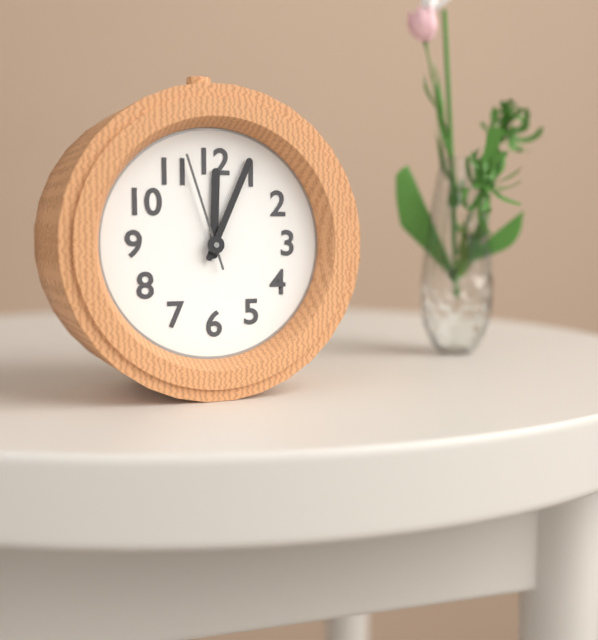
12.04.57
